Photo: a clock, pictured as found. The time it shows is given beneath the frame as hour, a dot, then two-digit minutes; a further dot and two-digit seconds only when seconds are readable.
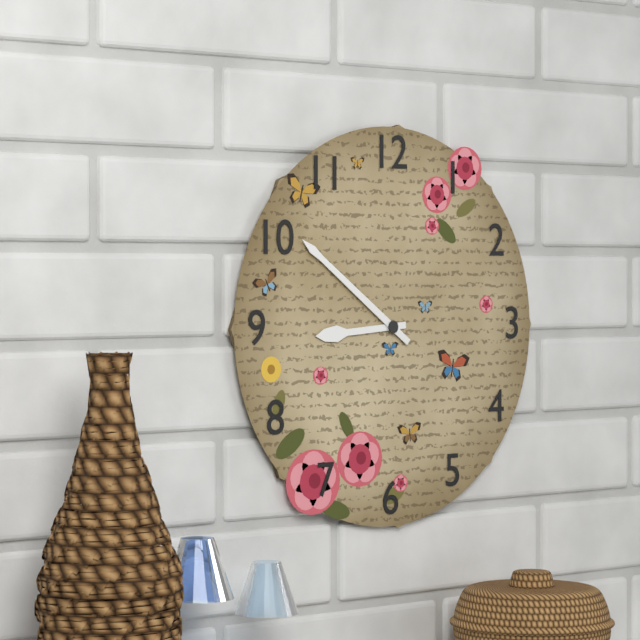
8.51
